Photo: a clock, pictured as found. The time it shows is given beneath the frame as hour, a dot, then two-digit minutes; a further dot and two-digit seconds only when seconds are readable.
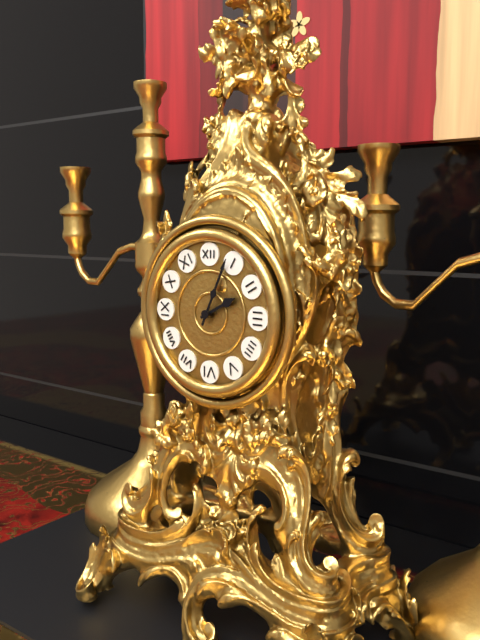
2.04
